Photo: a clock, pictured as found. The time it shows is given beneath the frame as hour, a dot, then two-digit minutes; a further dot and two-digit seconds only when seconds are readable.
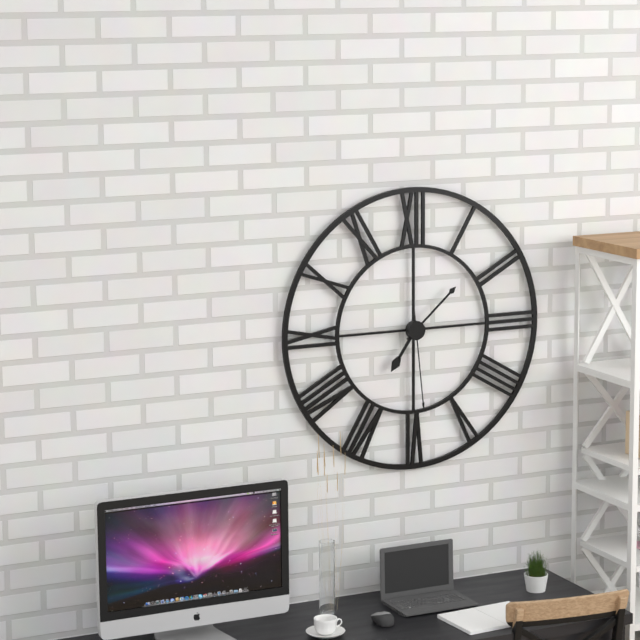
7.08.29
